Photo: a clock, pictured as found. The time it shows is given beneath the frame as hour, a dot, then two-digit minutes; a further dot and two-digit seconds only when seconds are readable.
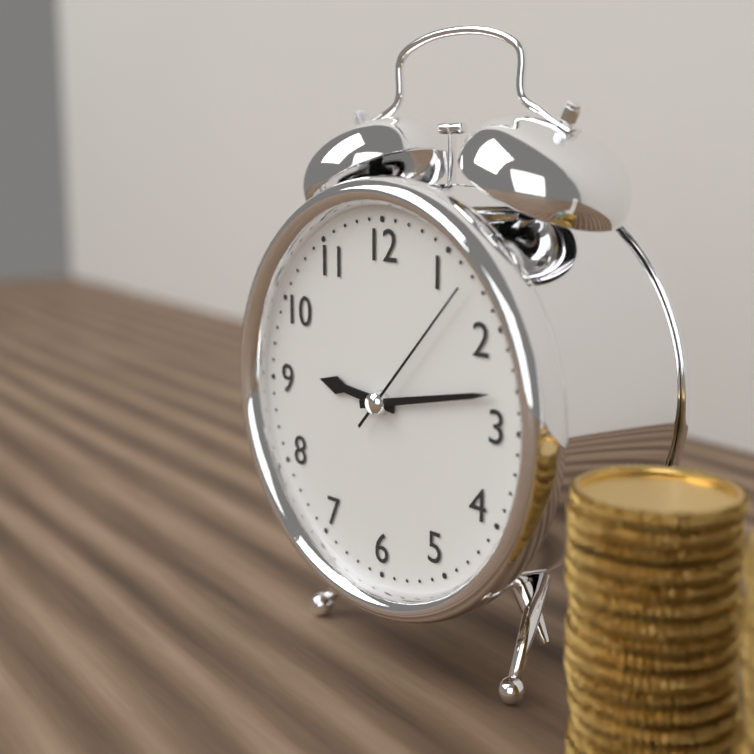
9.13.07
